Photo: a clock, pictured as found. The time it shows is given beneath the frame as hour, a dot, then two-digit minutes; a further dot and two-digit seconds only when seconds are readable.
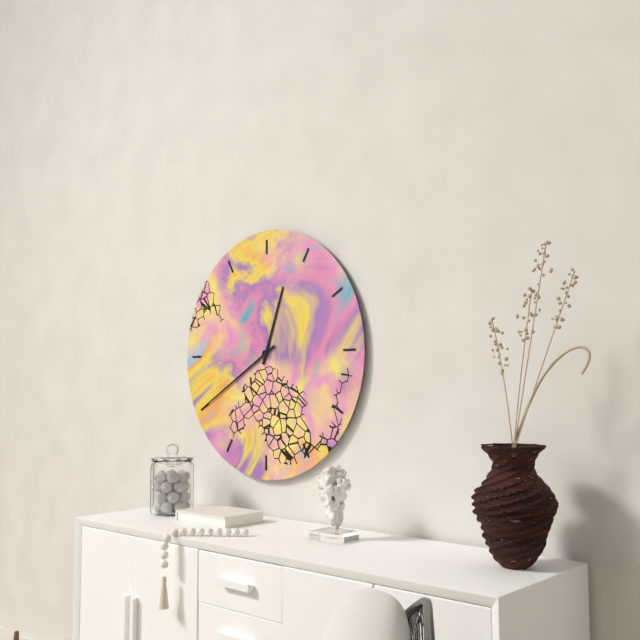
12.40
